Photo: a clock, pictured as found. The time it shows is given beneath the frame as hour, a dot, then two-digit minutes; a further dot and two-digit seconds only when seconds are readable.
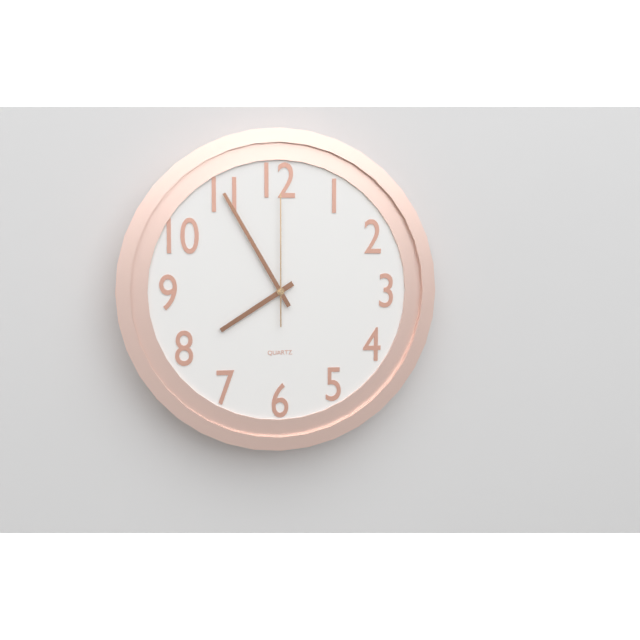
7.55.00
